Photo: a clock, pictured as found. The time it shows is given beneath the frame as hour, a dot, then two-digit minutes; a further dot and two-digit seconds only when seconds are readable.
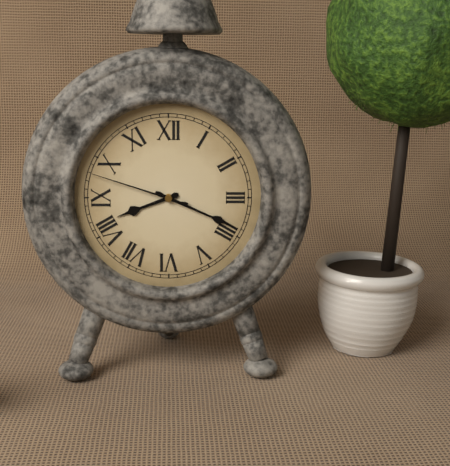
8.19.48
